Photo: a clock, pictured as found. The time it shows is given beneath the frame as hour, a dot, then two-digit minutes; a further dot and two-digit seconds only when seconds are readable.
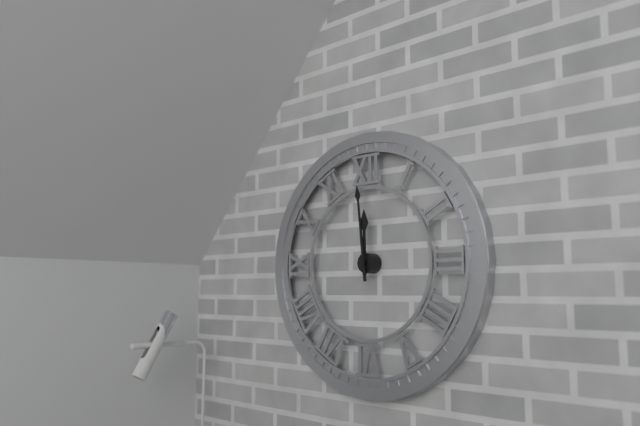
11.59
